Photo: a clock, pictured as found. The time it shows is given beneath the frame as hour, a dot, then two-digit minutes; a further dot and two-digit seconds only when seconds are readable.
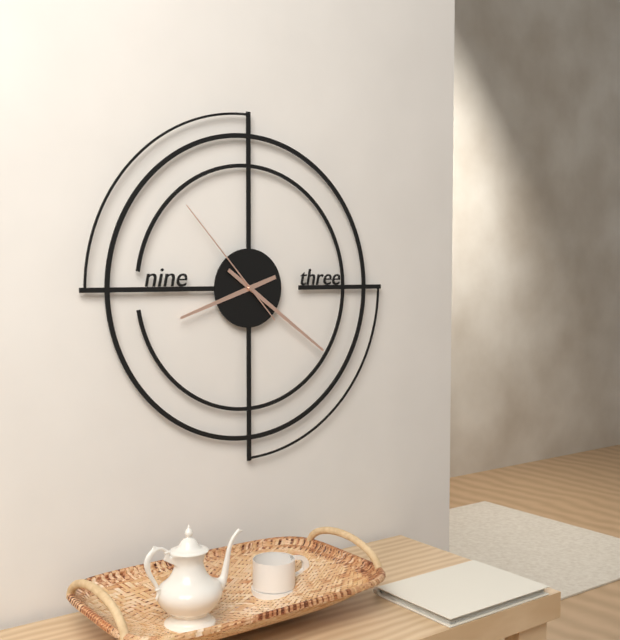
8.21.53
